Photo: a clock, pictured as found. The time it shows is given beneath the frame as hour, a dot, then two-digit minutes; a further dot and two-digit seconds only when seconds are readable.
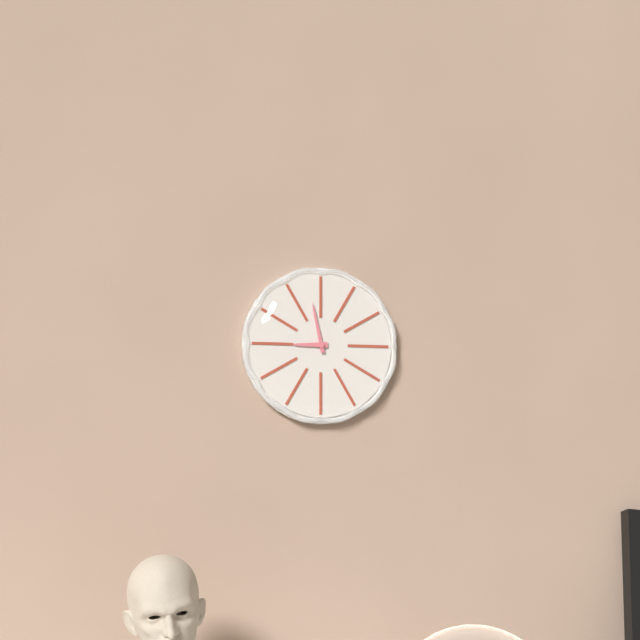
8.58
